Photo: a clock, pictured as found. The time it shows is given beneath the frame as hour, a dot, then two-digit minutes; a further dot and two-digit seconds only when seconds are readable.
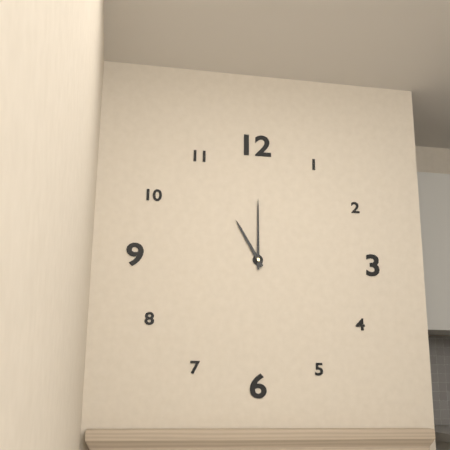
11.00
